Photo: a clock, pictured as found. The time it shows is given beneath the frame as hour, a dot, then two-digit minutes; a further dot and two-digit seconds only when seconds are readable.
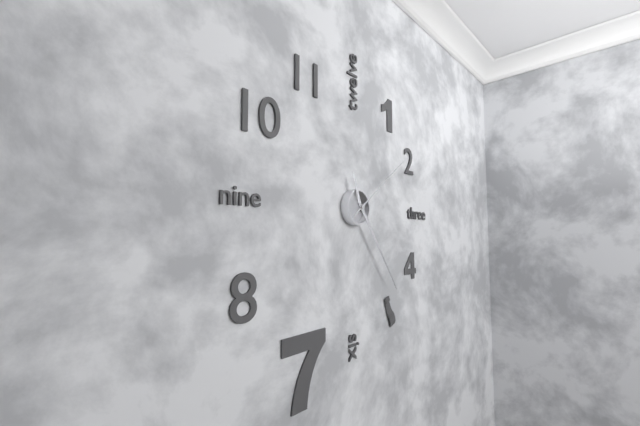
11.24.09
